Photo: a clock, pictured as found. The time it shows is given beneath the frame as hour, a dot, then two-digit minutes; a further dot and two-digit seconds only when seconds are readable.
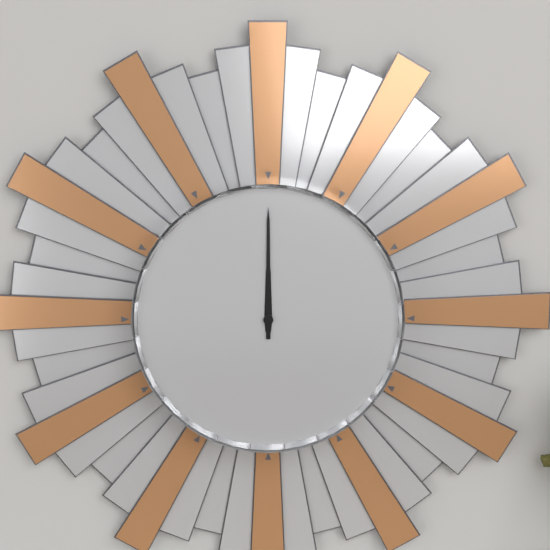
12.00
